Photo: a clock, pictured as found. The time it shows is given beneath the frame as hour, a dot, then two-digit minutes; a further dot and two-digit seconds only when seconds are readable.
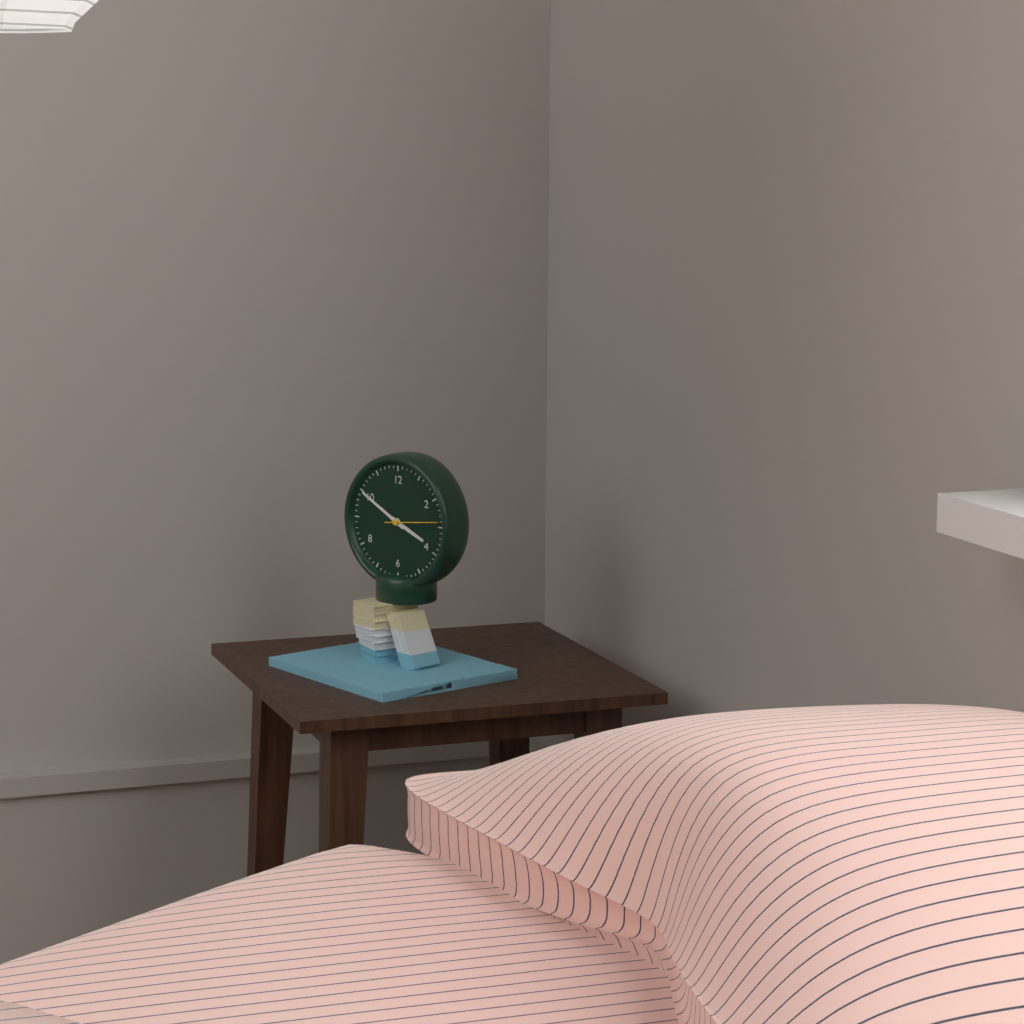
3.50.14
